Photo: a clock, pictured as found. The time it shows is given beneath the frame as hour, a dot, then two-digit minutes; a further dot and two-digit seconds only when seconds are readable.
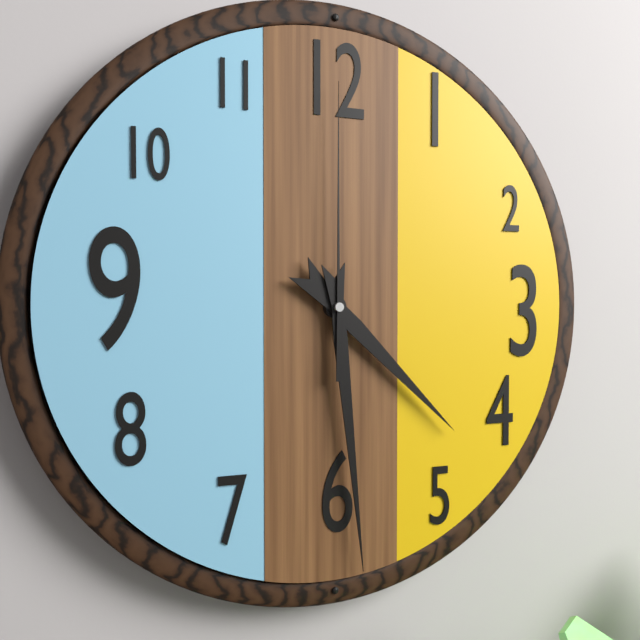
4.29.00
